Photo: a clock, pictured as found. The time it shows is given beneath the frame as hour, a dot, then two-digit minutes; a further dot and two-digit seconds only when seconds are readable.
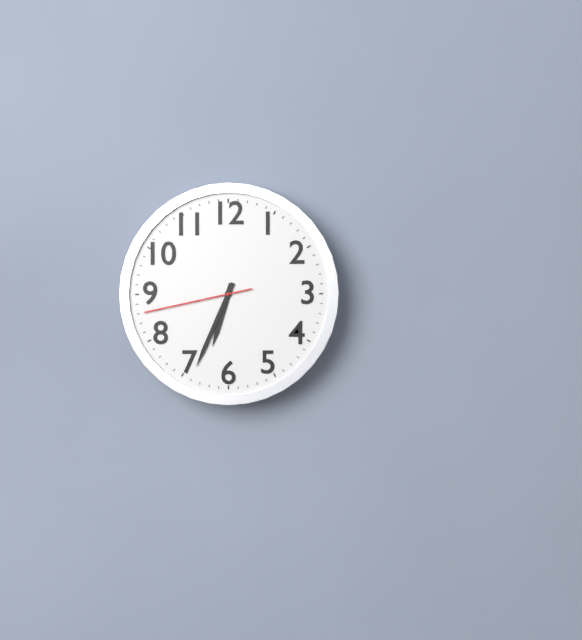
6.34.43
